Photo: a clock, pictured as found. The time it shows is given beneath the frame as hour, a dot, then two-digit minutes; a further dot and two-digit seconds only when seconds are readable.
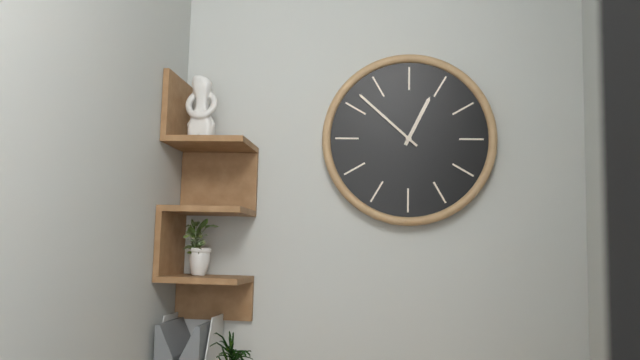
12.52
